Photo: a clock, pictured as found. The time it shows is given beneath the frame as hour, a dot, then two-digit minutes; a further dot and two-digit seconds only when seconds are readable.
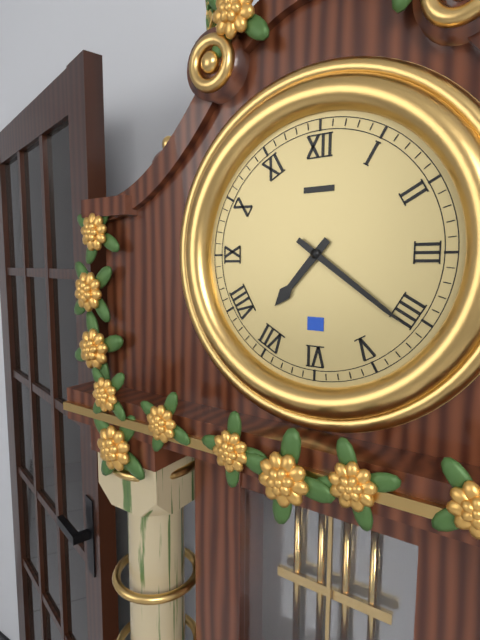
7.21
